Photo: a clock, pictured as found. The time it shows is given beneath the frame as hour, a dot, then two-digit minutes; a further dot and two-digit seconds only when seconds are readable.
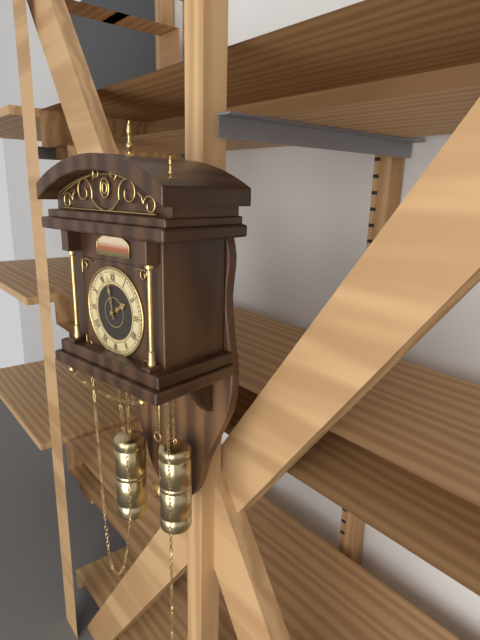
1.58
